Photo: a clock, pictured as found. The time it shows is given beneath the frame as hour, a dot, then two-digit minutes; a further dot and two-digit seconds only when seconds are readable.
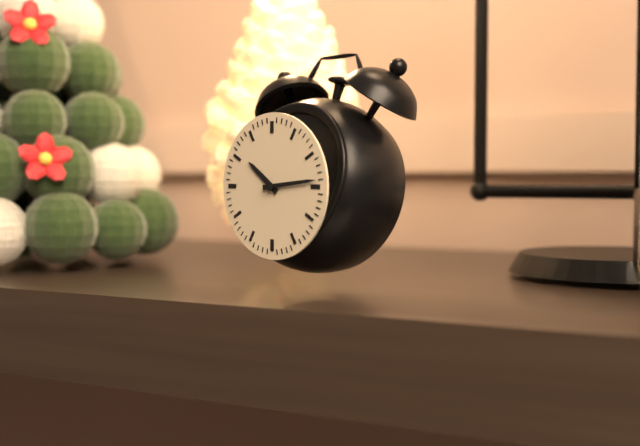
10.14
